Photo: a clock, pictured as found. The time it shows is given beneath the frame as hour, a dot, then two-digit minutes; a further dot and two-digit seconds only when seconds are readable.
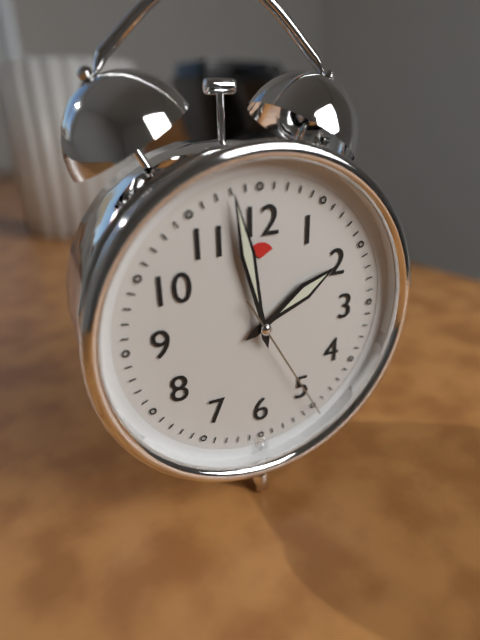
1.58.25
